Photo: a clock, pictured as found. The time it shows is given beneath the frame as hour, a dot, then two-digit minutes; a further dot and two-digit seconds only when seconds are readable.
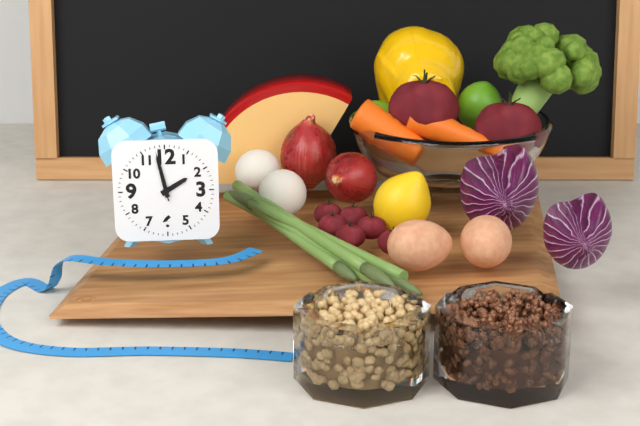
1.58.58
